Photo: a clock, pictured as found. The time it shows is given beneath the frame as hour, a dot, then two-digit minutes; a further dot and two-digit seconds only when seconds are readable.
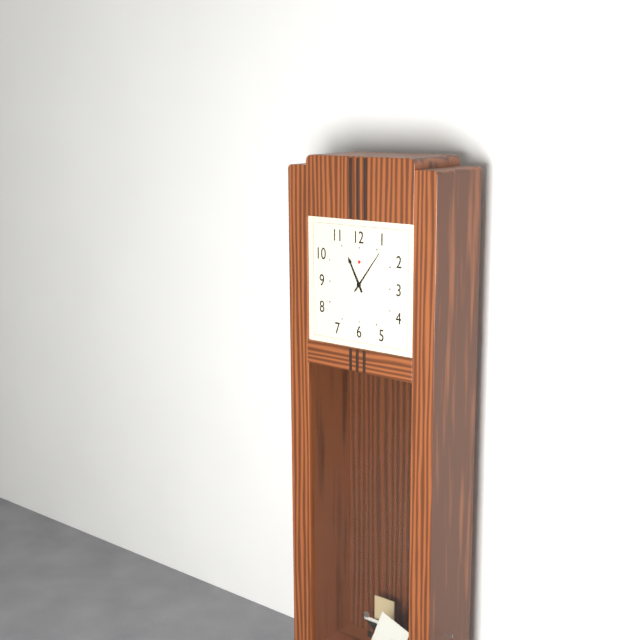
11.06
